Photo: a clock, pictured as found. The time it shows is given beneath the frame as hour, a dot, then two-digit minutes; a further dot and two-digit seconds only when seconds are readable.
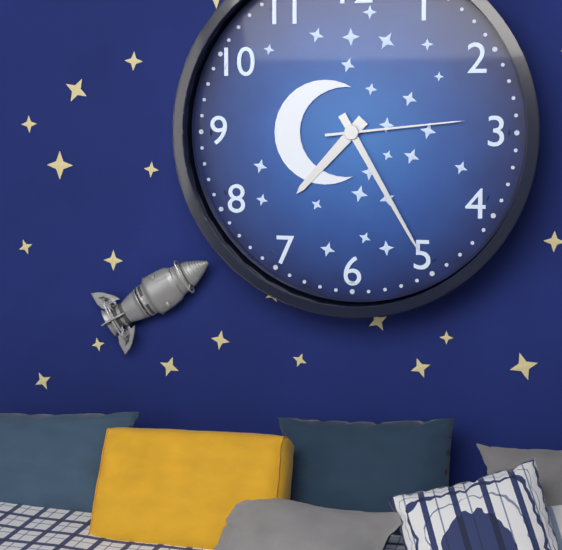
7.25.14
